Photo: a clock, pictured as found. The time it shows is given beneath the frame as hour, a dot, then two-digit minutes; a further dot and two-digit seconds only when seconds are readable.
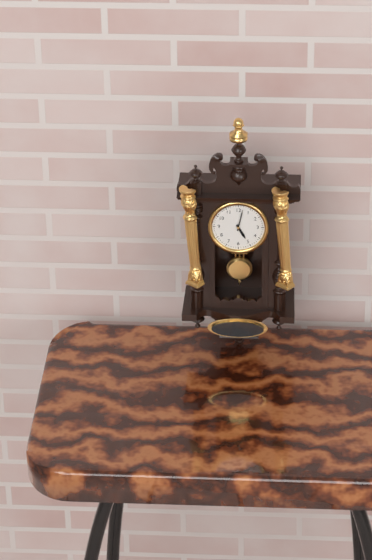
5.02
